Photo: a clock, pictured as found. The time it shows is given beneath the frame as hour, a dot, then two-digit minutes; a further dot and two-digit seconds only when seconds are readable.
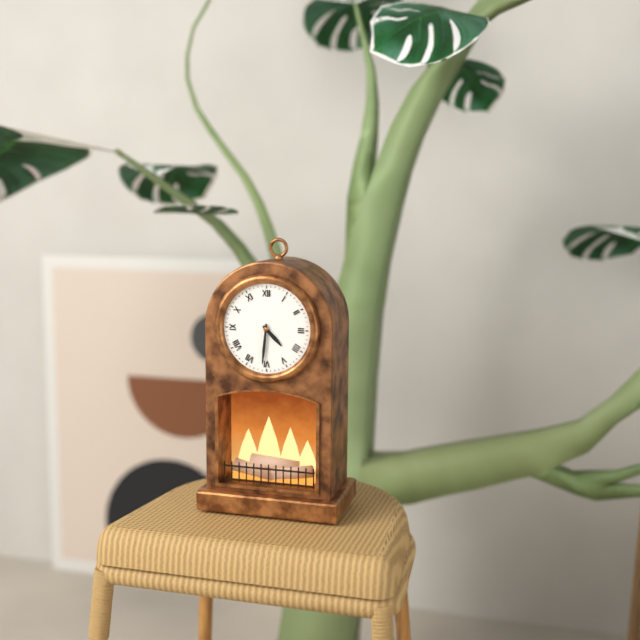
4.31
